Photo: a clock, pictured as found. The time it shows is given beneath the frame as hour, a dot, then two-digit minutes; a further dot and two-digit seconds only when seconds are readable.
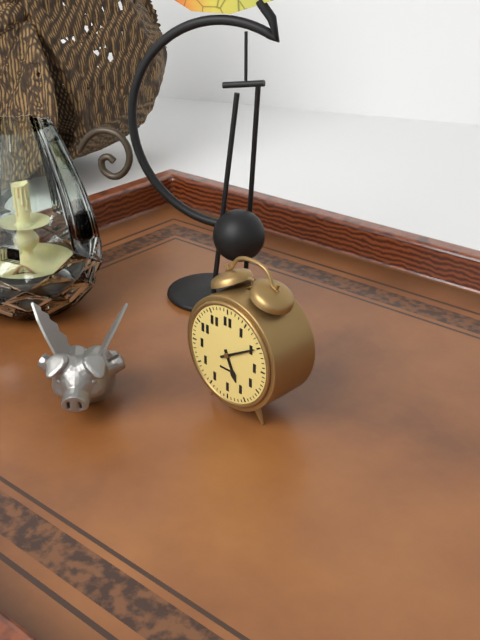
5.10
